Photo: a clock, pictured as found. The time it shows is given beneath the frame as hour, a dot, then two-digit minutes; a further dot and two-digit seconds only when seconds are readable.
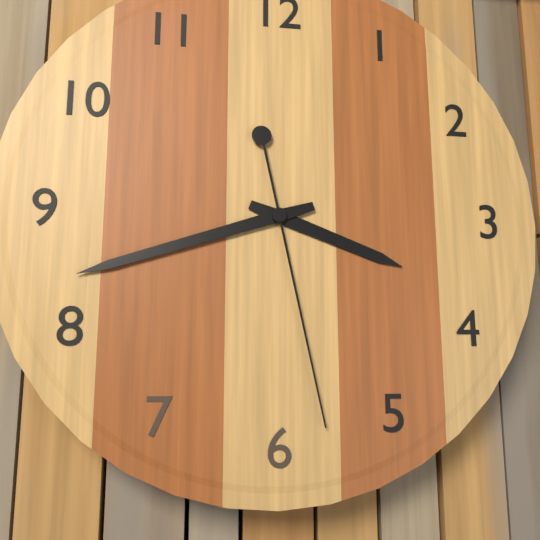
3.42.28
